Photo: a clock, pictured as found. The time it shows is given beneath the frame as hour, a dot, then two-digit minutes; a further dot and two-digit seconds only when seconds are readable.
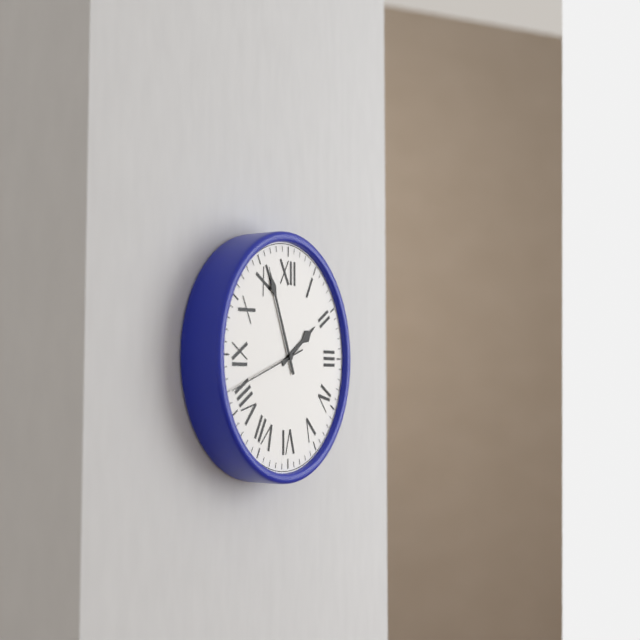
1.56.42
